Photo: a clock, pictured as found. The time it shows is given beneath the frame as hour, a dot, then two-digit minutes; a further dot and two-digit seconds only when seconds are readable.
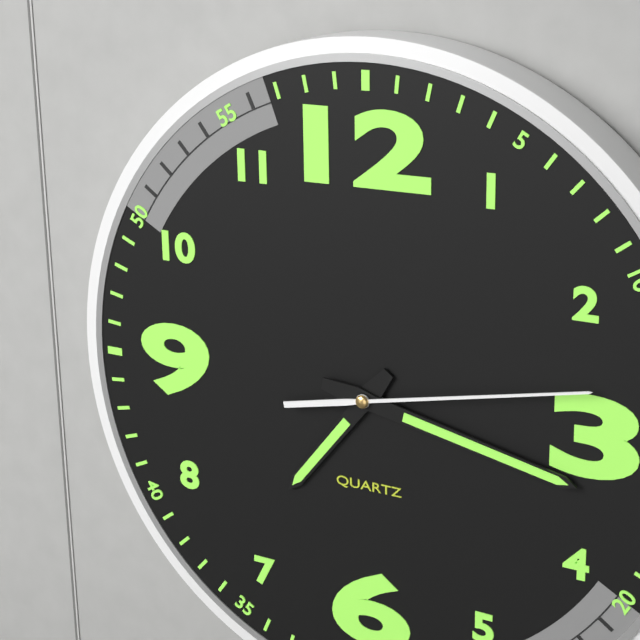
7.17.13
